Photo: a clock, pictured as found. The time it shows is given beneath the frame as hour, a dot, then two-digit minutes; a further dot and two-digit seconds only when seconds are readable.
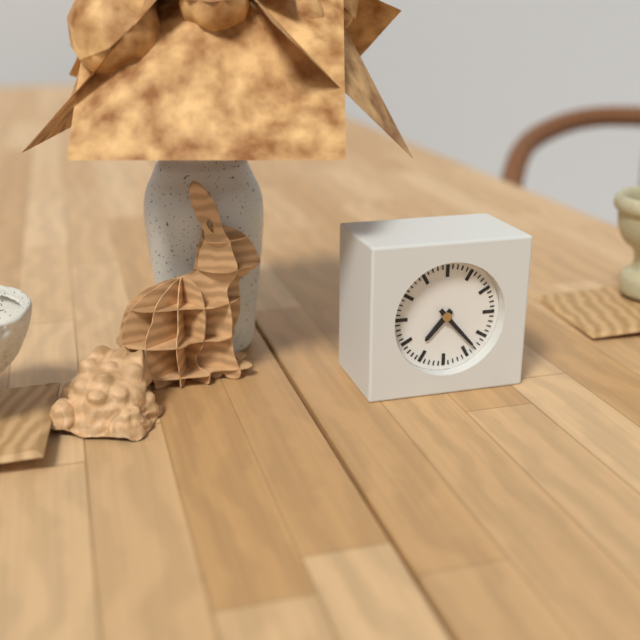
7.23
